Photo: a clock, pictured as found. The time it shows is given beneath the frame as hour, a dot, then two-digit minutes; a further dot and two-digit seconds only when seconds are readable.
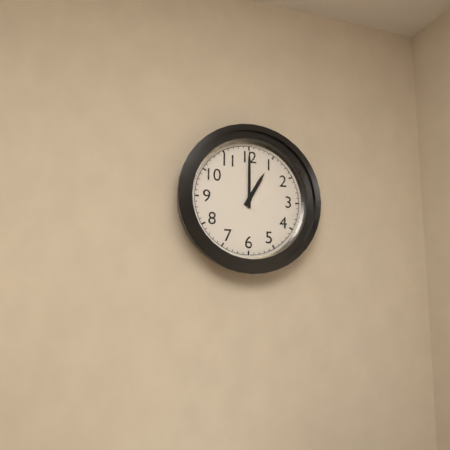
1.00
